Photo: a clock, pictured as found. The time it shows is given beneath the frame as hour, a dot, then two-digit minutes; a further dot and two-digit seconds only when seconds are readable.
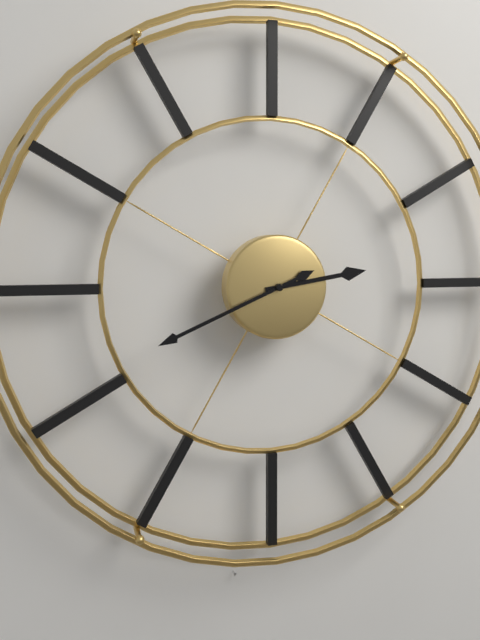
2.41
